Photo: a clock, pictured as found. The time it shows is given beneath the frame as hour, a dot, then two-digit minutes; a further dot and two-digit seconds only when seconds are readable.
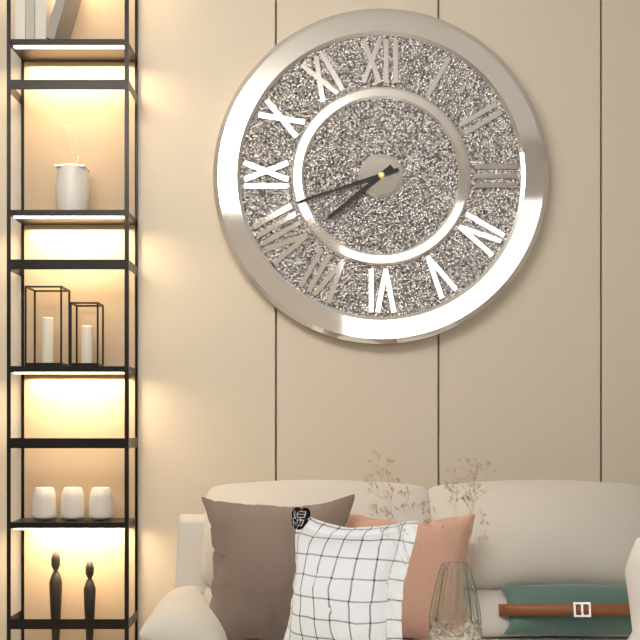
7.42
